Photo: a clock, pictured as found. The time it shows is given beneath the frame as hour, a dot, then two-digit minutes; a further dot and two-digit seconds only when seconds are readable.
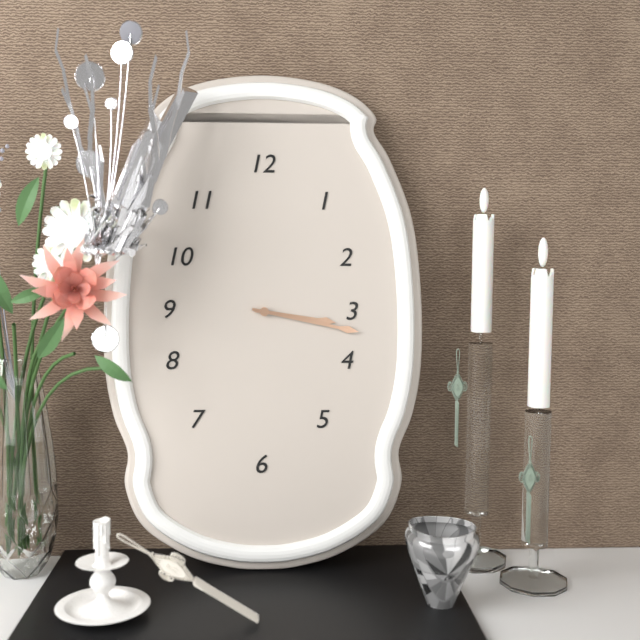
3.17
